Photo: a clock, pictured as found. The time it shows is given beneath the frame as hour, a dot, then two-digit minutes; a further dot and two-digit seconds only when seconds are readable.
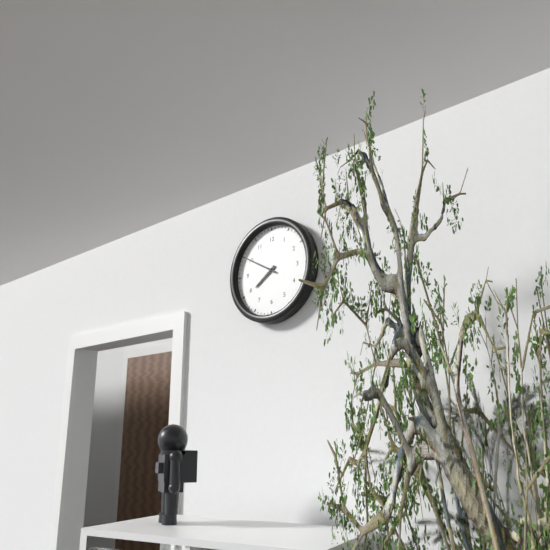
7.50
